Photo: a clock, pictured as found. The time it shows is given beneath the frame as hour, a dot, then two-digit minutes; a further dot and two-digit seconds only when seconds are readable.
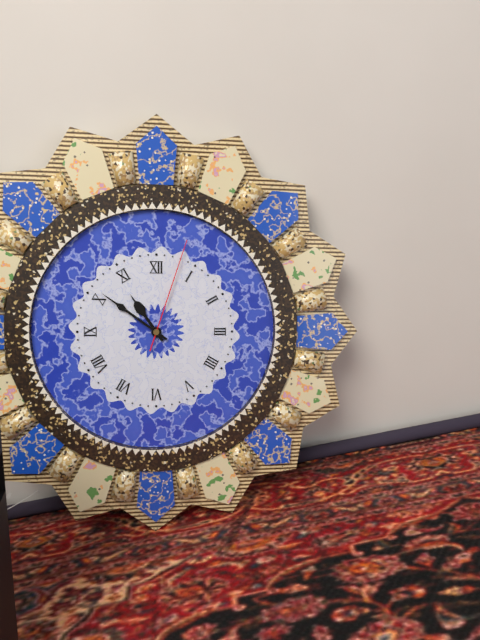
10.51.03
